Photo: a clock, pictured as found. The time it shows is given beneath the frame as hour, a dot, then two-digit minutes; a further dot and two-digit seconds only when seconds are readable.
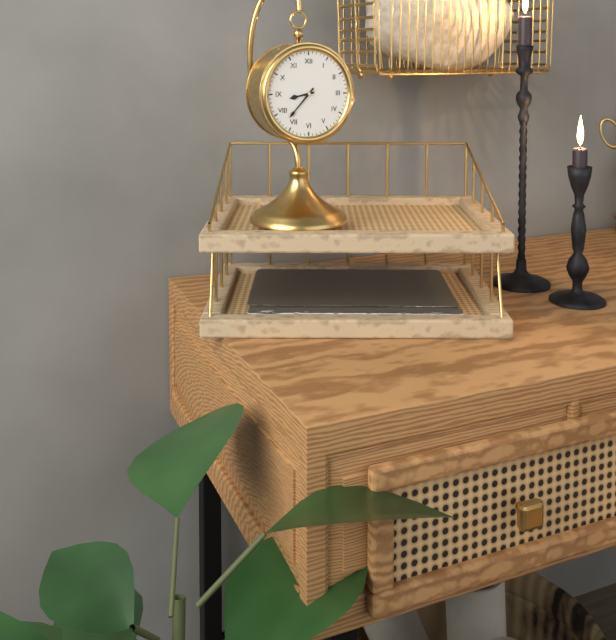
8.37
